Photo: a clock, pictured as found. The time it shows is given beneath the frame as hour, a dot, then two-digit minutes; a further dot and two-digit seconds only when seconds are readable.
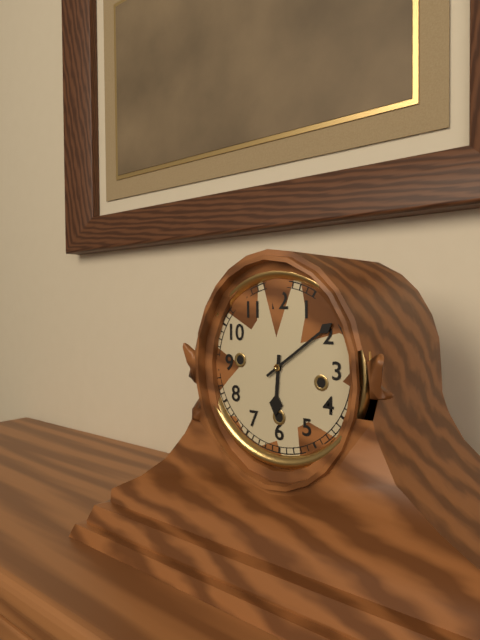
6.09
